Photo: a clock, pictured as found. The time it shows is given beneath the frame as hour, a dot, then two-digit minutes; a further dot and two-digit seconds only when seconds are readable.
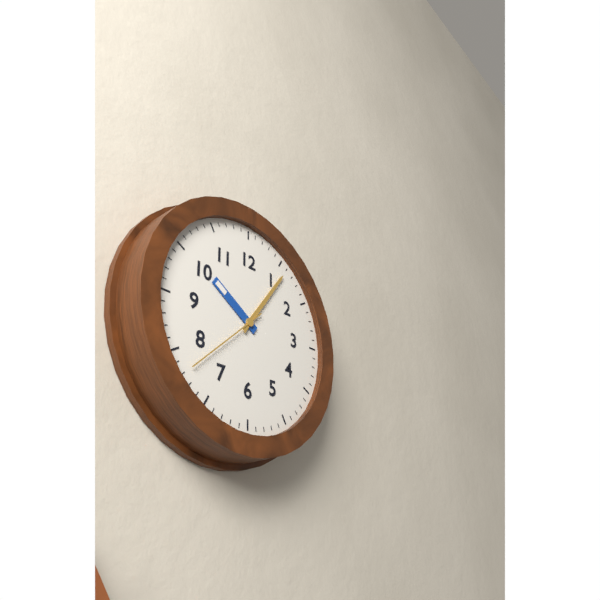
10.06.38
